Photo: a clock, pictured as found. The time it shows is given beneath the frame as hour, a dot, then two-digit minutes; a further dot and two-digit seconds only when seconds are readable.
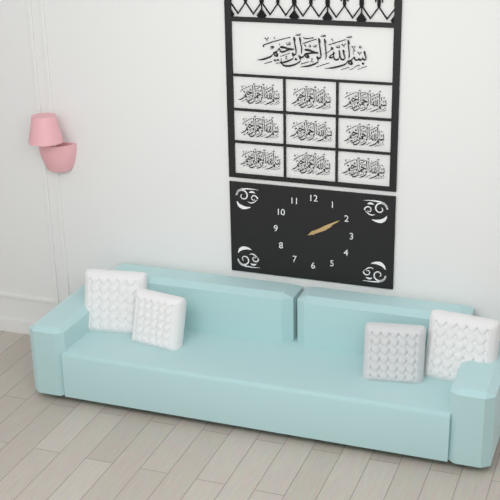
2.10
